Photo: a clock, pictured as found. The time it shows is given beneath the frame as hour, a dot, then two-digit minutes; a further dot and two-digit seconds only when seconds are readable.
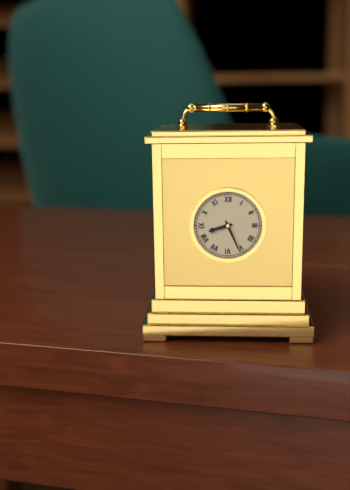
8.26
